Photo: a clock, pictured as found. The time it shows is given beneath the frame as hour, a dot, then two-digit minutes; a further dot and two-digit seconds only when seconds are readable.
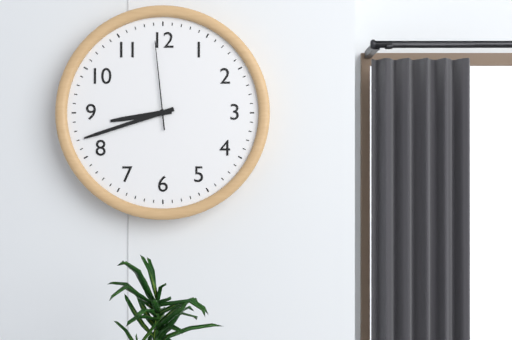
8.42.59
